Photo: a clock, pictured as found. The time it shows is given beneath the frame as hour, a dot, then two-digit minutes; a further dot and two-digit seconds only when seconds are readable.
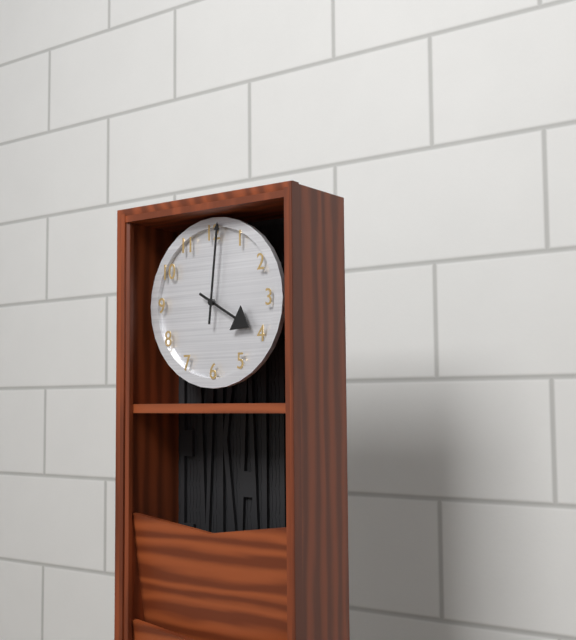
4.01
